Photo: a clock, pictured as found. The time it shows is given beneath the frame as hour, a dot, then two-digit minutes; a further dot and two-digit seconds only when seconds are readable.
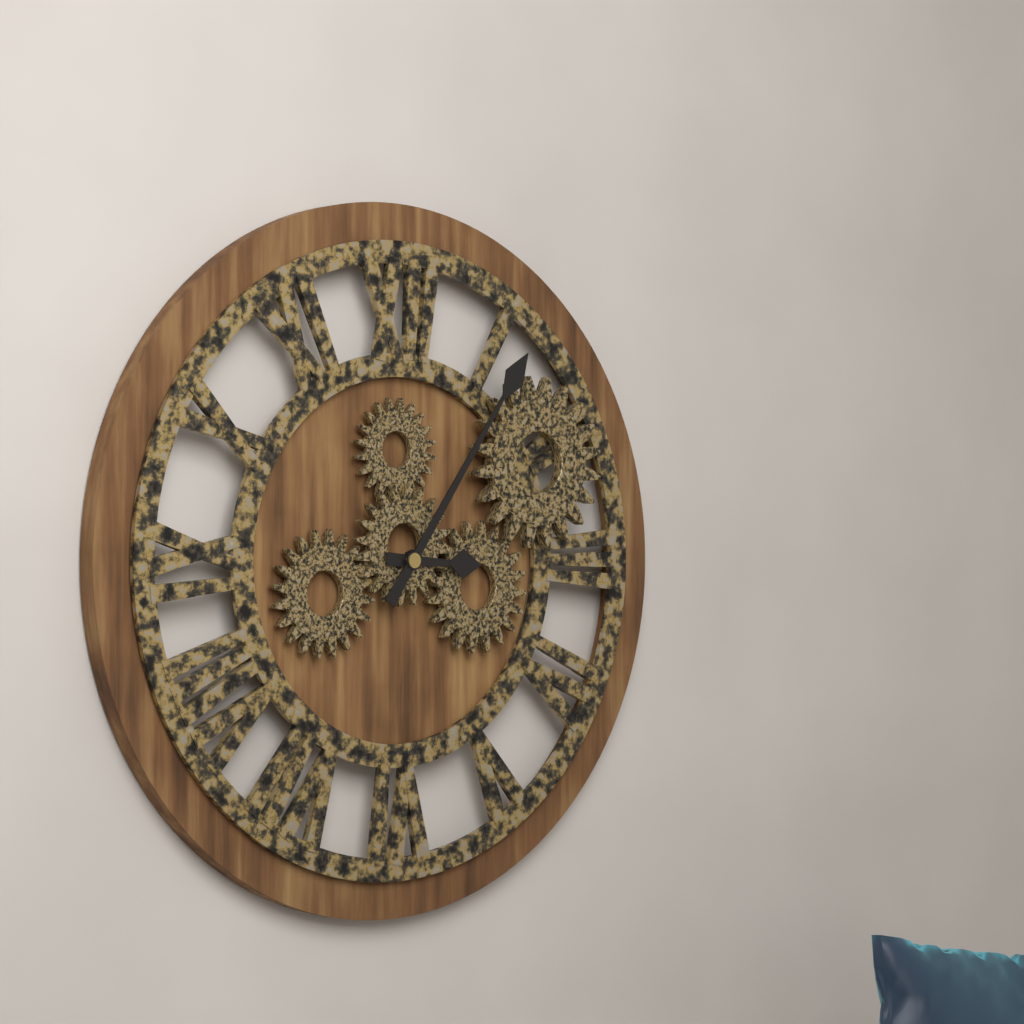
3.06
